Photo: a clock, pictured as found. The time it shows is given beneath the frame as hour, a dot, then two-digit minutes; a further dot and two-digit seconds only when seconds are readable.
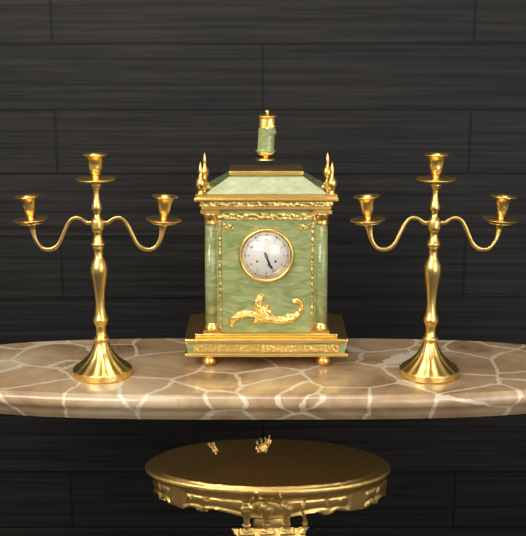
5.26
